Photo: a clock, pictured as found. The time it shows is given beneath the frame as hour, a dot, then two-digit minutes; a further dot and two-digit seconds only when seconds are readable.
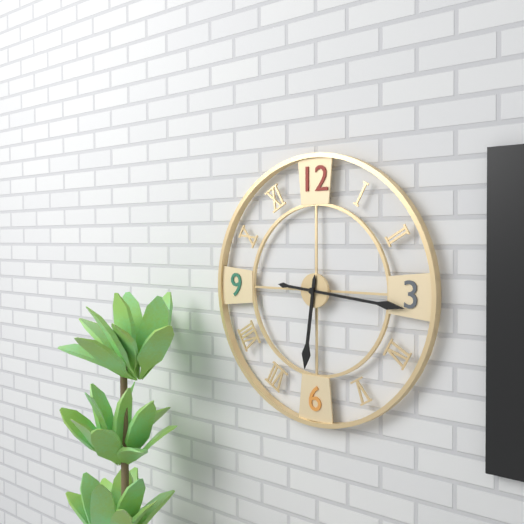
6.16
